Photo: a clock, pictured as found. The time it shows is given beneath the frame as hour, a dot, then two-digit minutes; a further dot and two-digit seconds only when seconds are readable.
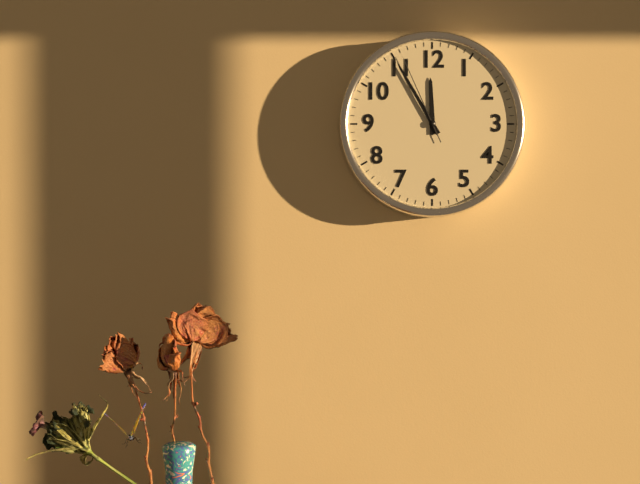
11.55.56
